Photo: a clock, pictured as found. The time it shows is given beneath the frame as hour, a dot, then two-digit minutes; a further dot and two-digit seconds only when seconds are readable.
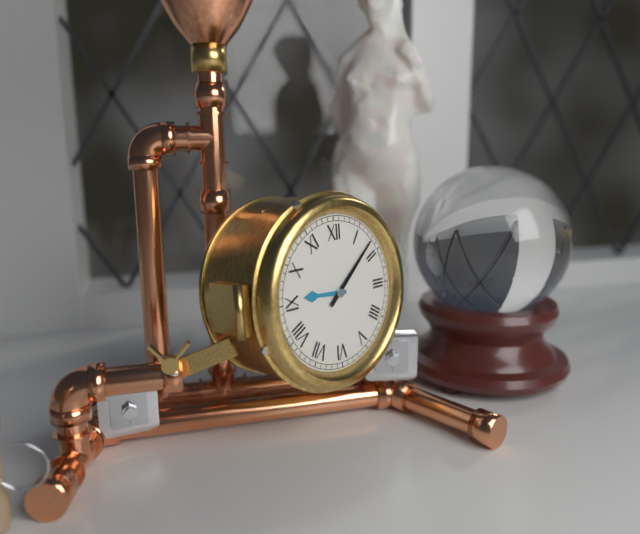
9.08
